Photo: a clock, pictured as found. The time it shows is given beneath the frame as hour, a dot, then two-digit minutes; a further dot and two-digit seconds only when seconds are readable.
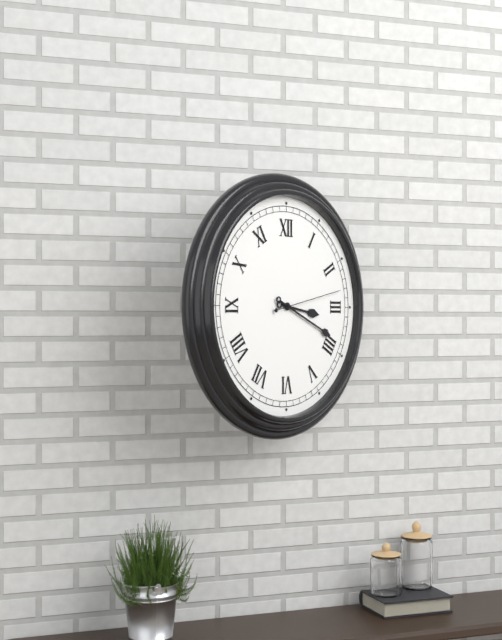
3.19.13
